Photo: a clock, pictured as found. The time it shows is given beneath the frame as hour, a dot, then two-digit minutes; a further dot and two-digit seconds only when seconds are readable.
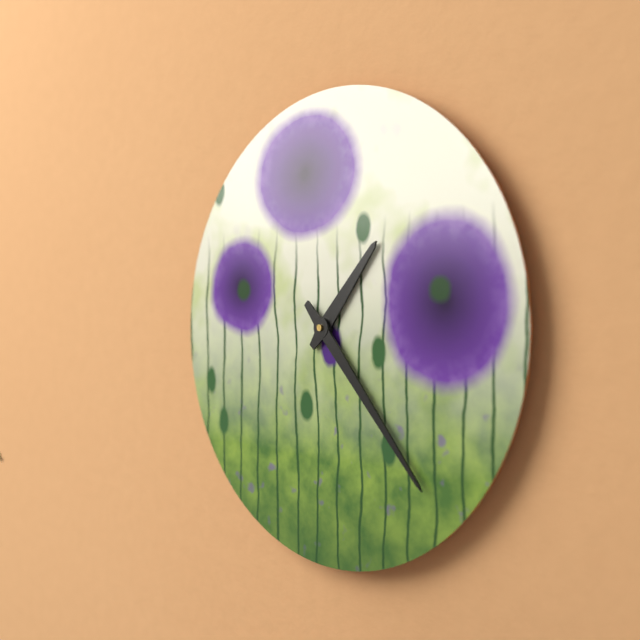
1.23
